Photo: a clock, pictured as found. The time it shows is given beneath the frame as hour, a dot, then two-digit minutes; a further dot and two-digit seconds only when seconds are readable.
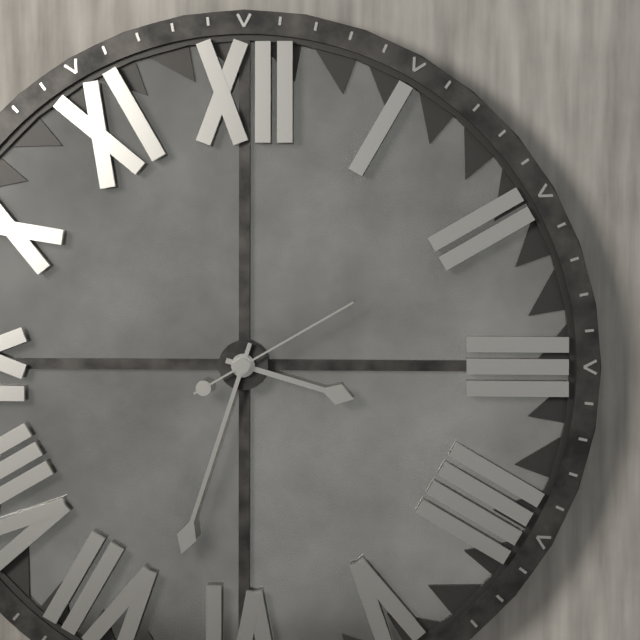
3.33.10
